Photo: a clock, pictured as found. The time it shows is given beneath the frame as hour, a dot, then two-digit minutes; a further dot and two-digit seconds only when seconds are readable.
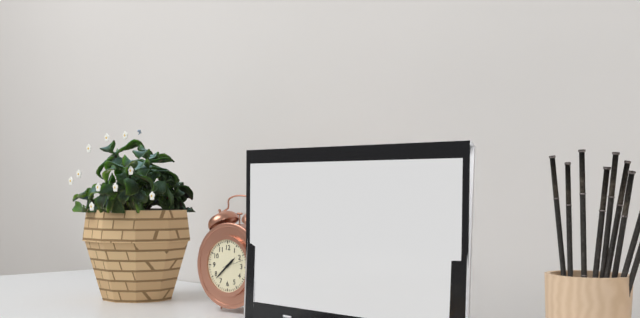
1.38
